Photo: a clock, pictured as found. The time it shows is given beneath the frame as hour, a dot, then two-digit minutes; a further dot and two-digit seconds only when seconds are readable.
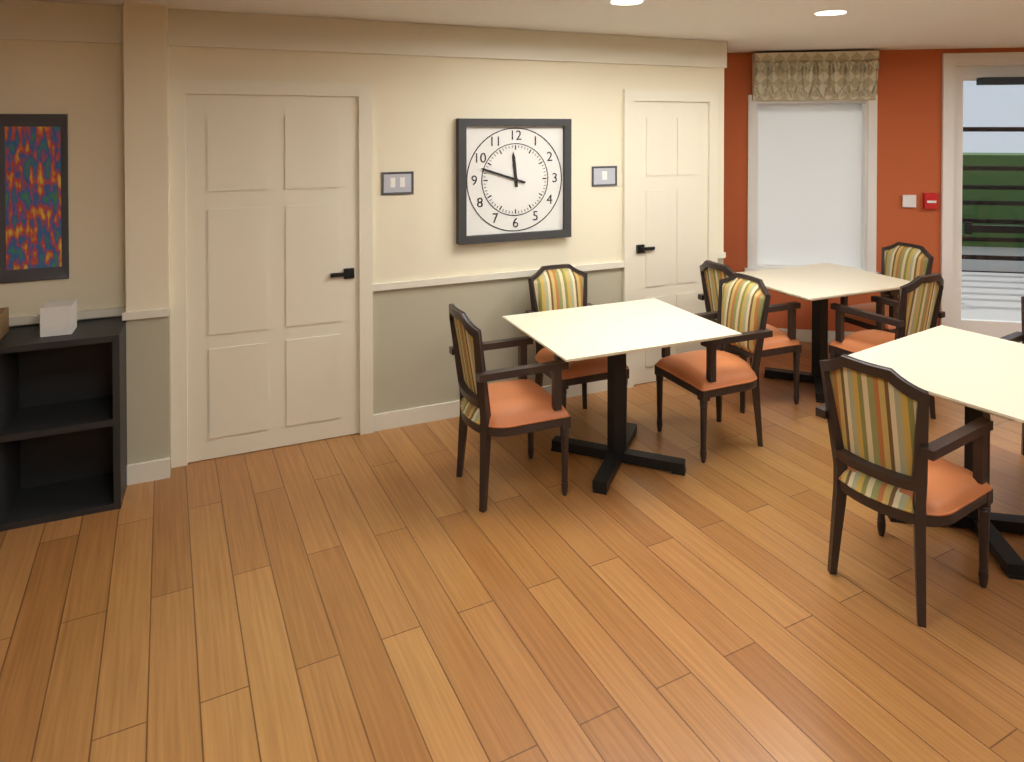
11.48
